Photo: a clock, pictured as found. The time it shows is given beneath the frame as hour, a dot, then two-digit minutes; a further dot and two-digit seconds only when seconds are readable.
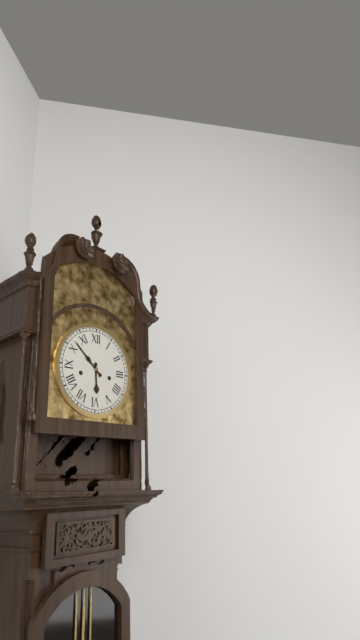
5.52
